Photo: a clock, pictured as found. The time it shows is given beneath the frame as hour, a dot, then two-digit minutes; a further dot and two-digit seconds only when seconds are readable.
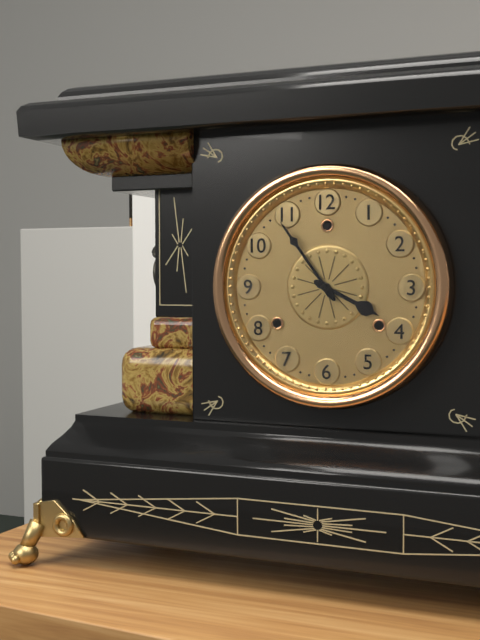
3.54
